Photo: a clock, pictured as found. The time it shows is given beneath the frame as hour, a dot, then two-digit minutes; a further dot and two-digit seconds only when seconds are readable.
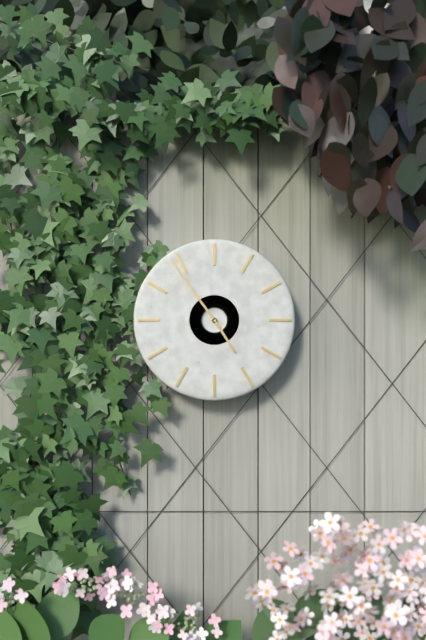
4.54
